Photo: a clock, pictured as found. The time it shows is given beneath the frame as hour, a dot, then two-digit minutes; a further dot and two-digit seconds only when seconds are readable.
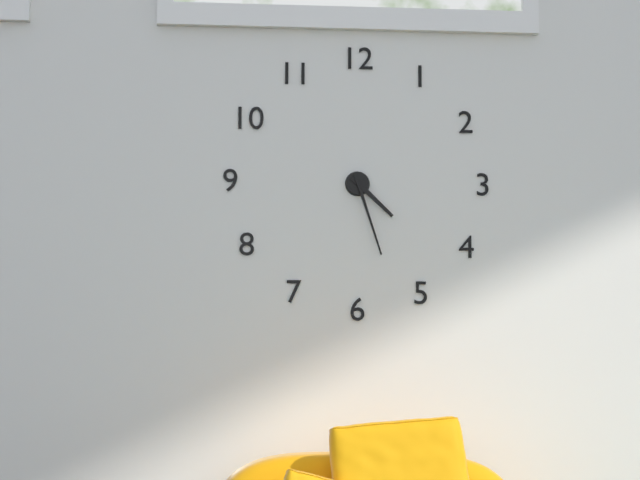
4.27
